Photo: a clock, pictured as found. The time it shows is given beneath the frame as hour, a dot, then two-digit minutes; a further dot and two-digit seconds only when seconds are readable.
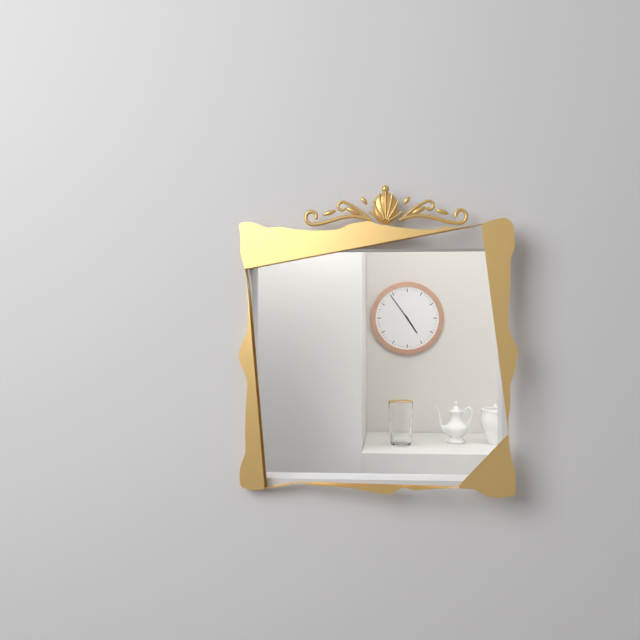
4.54
